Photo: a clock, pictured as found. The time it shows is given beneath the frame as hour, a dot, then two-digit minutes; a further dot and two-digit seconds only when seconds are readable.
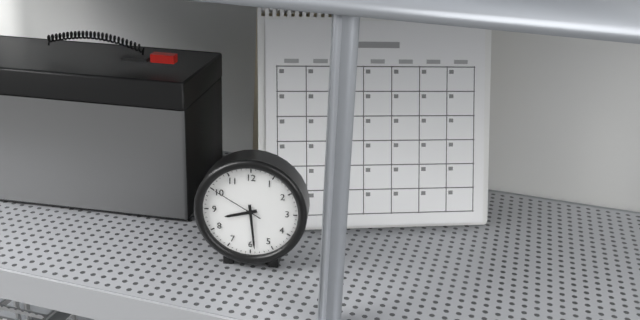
8.29.50
